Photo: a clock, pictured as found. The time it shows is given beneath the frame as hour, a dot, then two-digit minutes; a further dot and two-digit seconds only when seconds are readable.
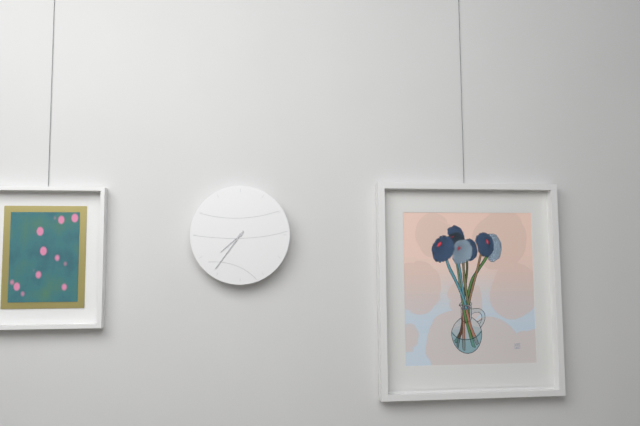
7.36
